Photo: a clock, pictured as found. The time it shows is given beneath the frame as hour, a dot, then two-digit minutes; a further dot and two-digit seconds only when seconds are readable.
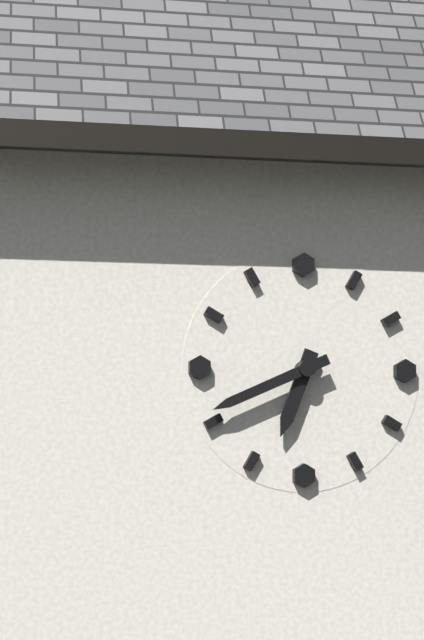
6.41
